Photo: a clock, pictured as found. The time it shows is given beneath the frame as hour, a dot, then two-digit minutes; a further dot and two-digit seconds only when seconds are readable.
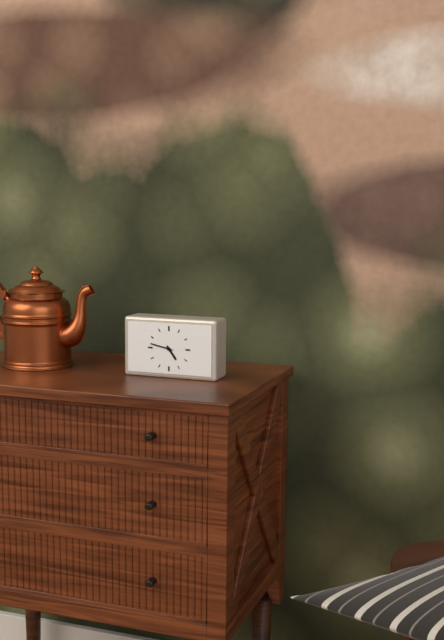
4.47
